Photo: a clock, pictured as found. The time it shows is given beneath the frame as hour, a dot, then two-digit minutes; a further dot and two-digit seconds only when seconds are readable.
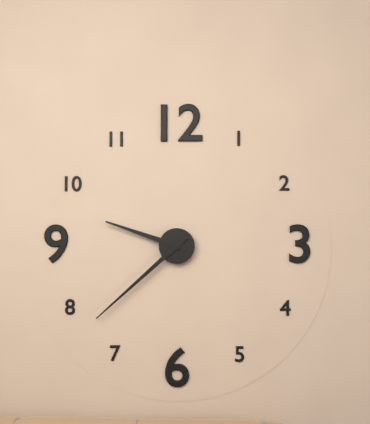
9.38
